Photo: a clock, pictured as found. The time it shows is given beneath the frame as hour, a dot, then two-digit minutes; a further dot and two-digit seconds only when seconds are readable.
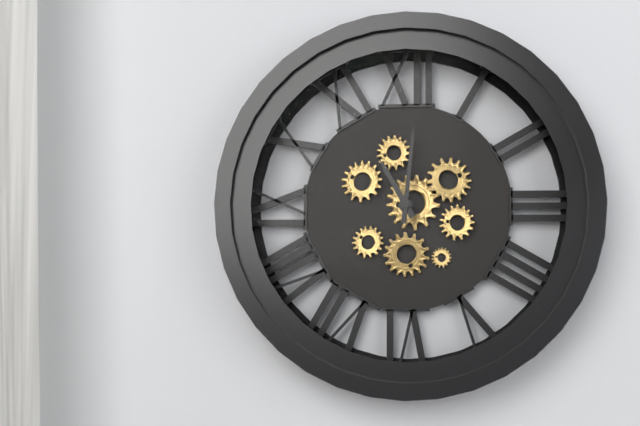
11.01
